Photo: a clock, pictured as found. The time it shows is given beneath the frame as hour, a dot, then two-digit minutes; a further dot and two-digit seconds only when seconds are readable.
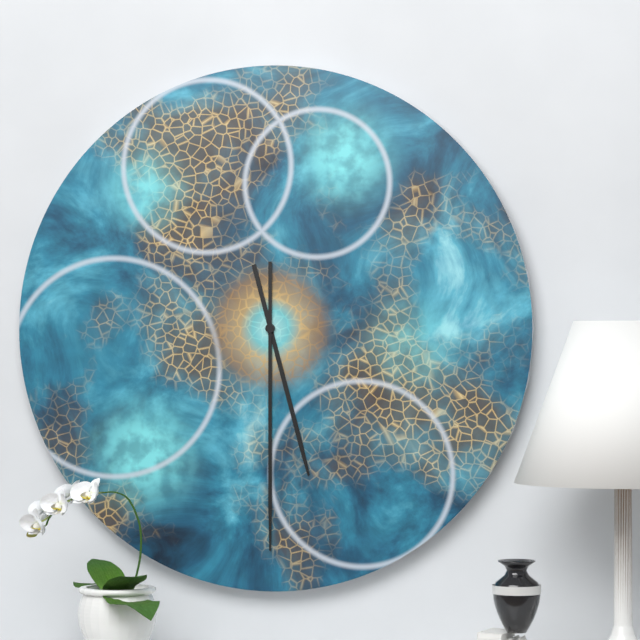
5.30
